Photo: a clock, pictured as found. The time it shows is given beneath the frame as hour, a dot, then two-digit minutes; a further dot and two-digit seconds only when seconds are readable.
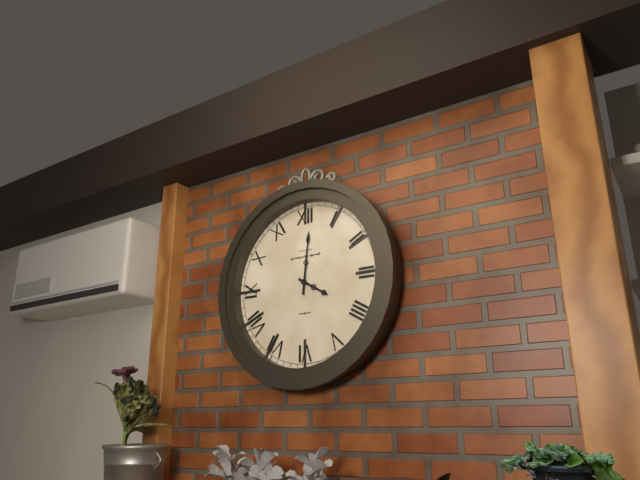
4.01
